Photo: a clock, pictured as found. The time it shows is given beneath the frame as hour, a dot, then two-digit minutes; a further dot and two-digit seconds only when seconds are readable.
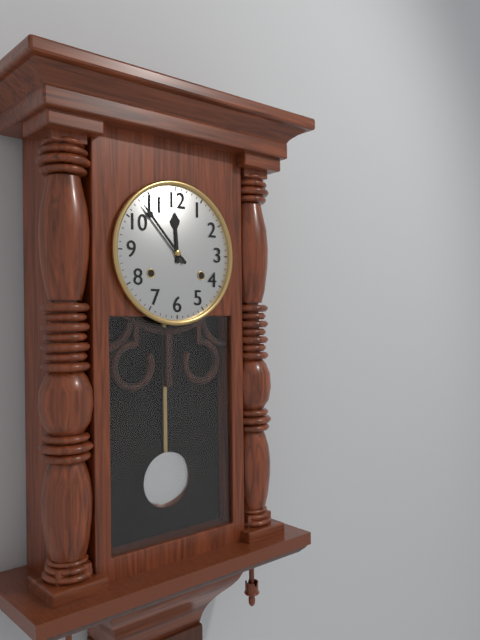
11.53
